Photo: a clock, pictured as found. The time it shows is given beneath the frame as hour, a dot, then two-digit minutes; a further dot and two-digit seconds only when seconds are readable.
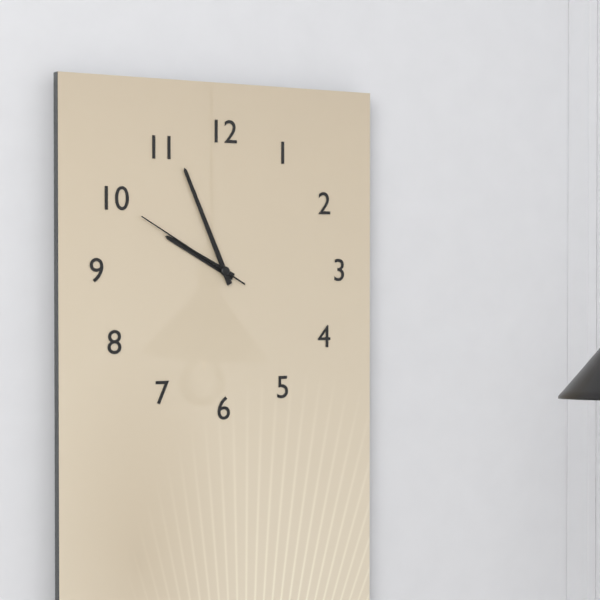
9.56.50
